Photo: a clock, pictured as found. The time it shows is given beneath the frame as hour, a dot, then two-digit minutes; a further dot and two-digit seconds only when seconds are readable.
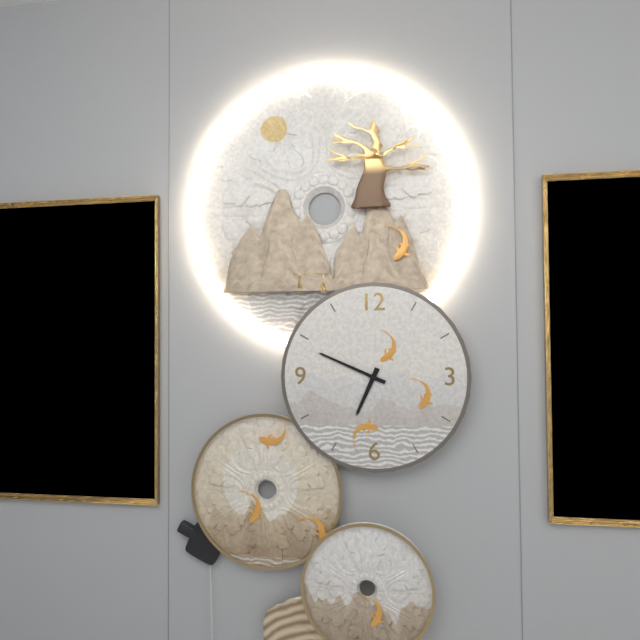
6.49
